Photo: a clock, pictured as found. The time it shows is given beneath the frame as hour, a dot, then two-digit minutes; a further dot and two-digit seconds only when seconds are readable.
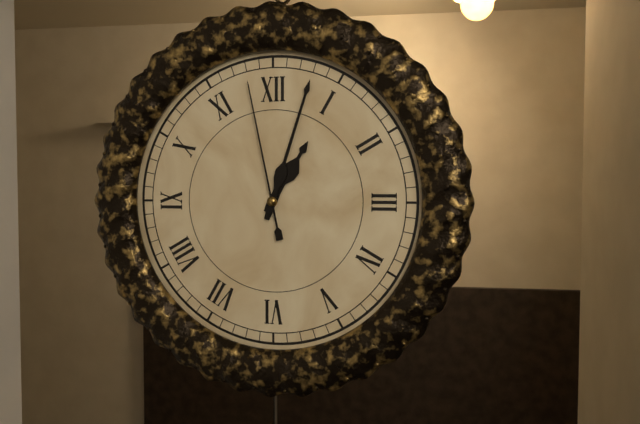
1.03.58
